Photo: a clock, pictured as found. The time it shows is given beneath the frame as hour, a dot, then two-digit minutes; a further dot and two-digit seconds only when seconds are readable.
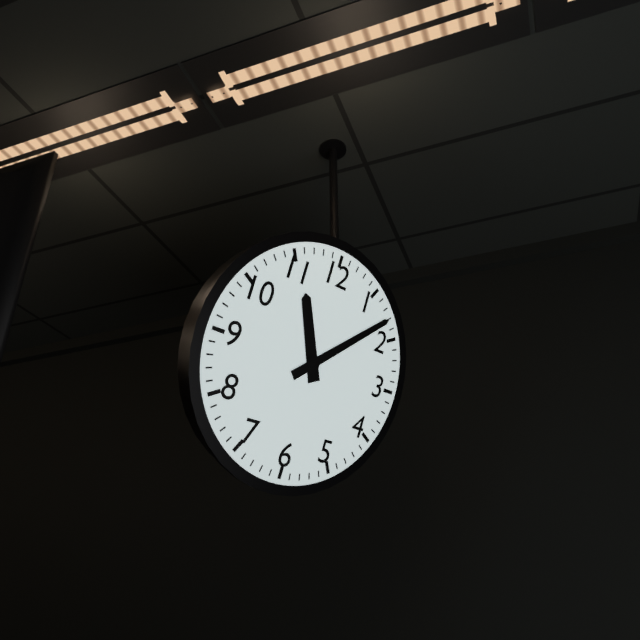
11.08
